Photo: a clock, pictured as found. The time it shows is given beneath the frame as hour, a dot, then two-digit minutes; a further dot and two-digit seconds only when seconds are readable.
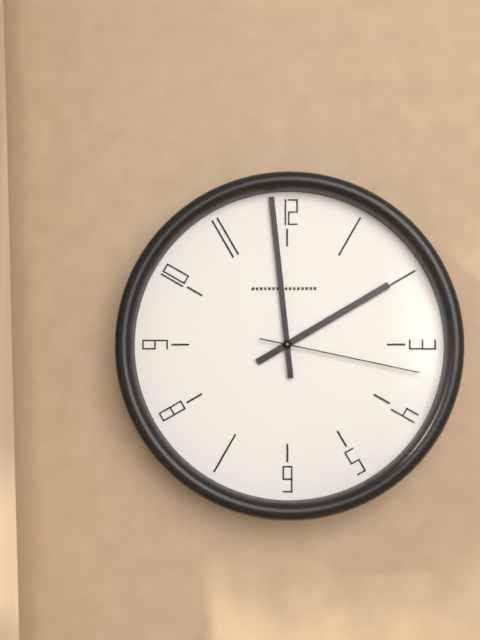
1.59.17
